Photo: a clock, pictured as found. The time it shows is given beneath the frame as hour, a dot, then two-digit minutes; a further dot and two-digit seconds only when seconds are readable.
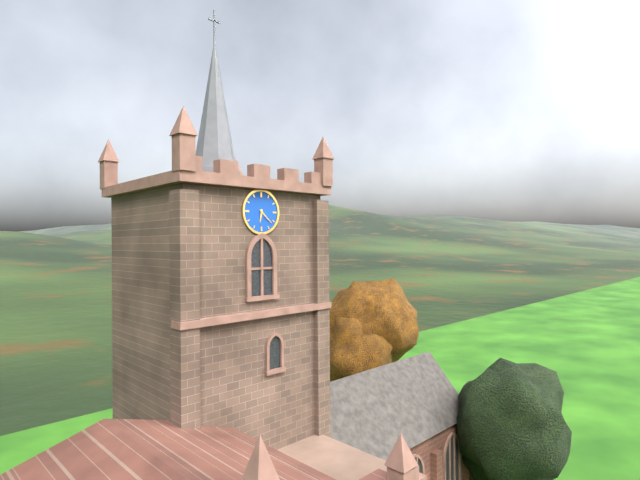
6.22
